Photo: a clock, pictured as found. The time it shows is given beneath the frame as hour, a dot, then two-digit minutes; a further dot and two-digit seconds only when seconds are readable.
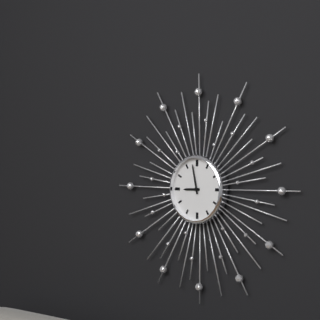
8.58
